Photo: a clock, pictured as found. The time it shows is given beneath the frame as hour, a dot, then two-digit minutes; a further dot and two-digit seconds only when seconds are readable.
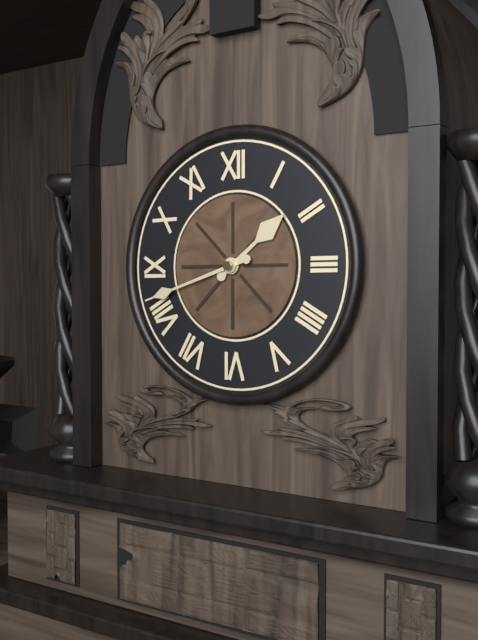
1.42
